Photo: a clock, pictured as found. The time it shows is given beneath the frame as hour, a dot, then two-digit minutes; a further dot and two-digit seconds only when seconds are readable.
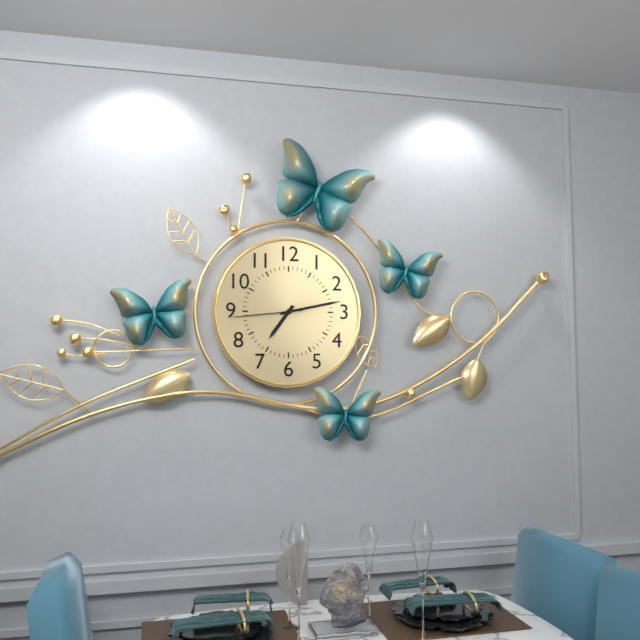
7.13.44
